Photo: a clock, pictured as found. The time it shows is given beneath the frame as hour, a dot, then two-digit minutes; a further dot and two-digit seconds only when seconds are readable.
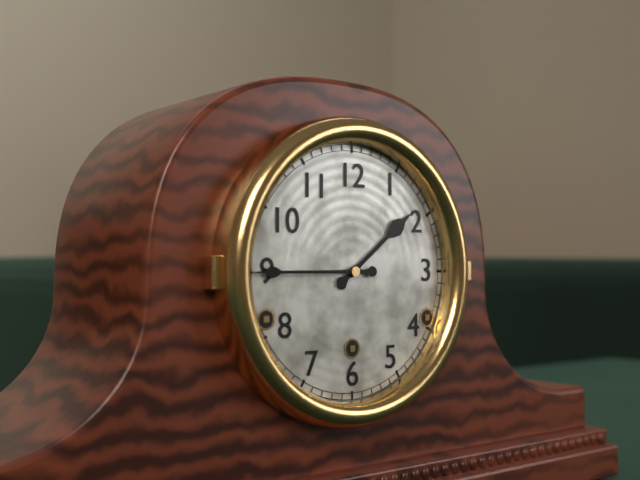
1.45
